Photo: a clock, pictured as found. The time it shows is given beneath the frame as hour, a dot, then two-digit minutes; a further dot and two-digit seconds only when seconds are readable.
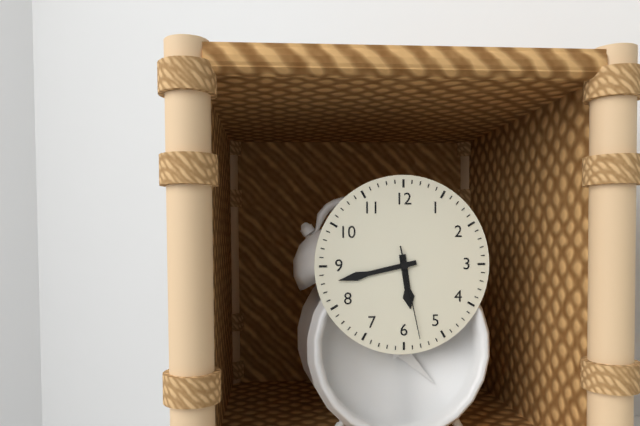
5.43.28
